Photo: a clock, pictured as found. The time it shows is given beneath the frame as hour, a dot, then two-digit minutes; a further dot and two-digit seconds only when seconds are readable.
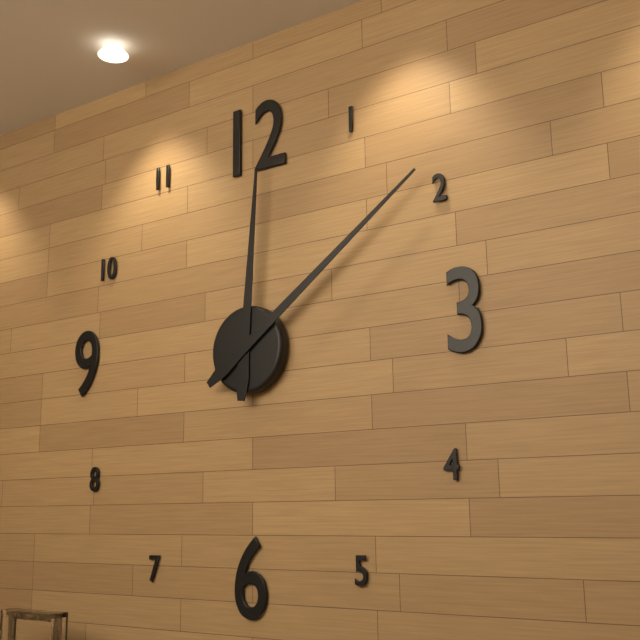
12.09
